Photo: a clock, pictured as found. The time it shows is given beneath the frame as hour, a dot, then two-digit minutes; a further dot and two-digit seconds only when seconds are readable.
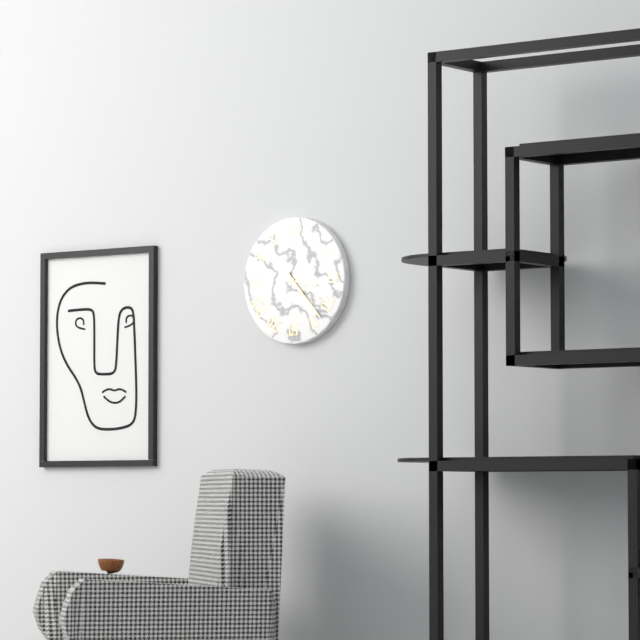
3.23
